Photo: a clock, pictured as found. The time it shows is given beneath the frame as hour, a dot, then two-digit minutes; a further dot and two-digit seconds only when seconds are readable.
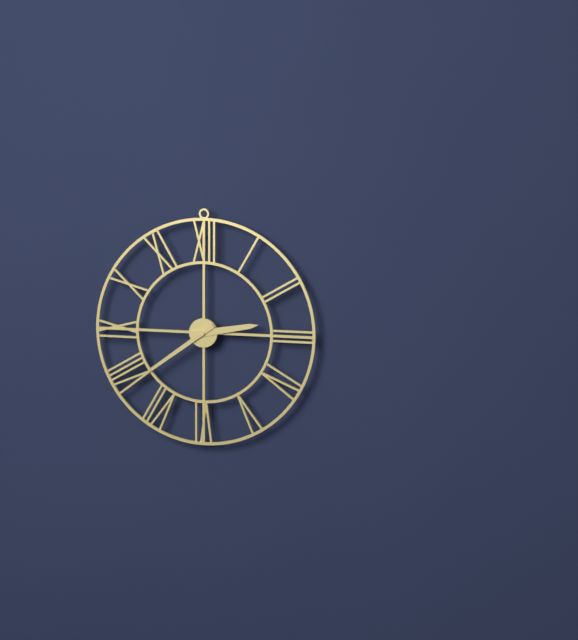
2.39
